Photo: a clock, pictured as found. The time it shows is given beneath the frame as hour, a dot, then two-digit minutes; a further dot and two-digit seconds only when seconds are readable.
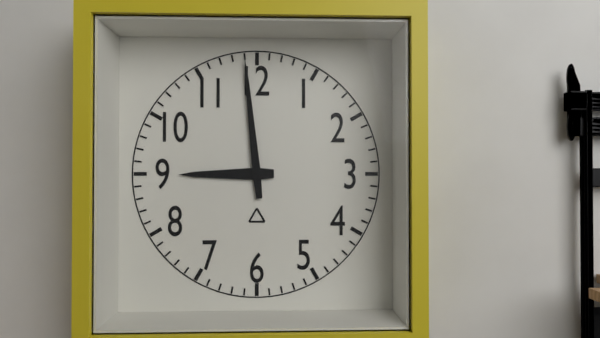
8.59
